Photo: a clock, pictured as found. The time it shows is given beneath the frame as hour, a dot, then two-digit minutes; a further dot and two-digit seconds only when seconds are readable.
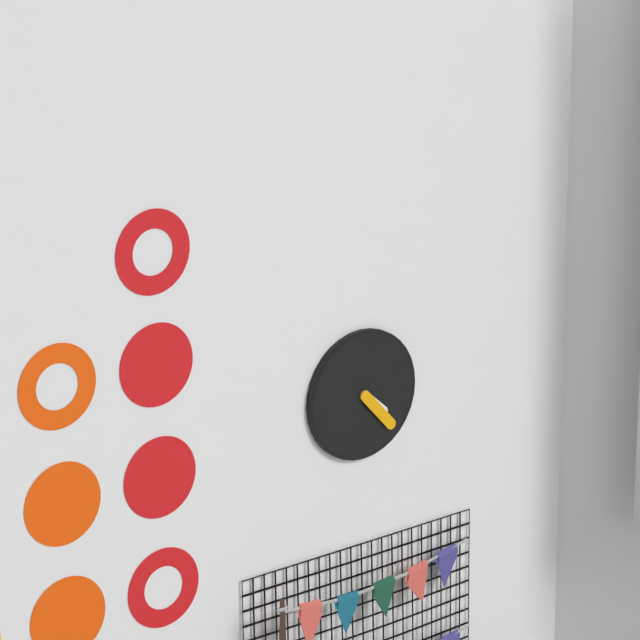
4.23
